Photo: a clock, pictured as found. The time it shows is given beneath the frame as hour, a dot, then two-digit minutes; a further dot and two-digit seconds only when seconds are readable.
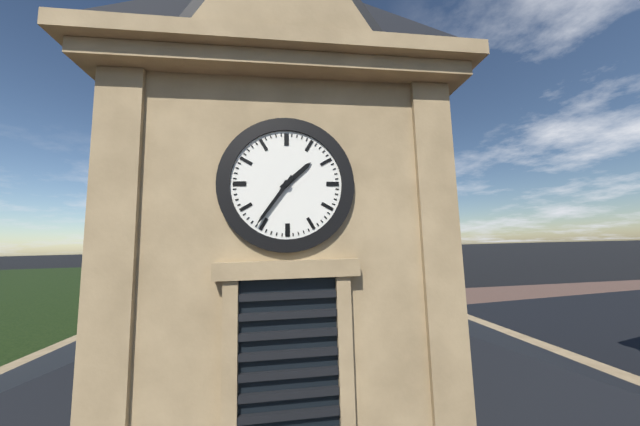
1.36
